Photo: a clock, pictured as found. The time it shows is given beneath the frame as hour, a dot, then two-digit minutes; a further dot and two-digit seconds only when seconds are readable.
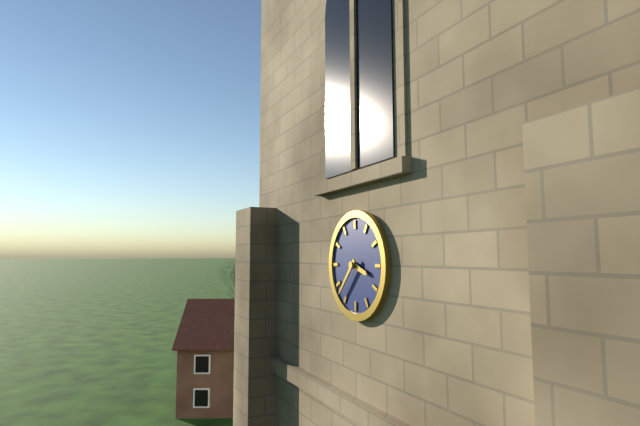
3.37
